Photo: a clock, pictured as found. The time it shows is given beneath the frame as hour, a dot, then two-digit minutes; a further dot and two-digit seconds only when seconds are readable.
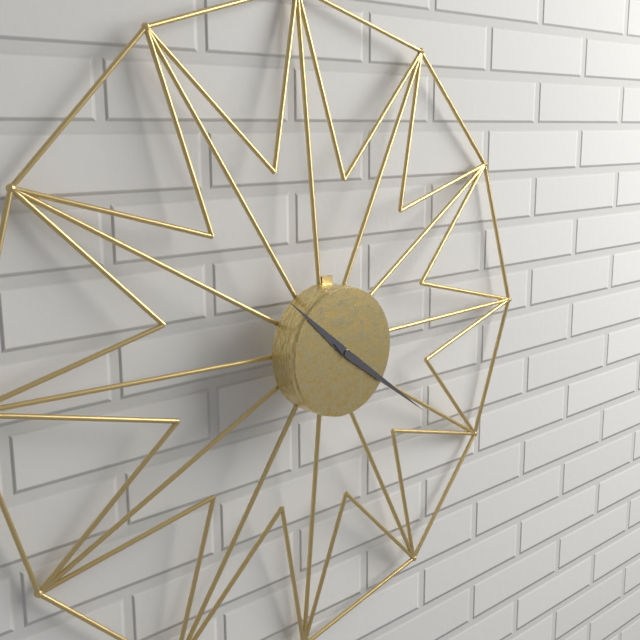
10.21
